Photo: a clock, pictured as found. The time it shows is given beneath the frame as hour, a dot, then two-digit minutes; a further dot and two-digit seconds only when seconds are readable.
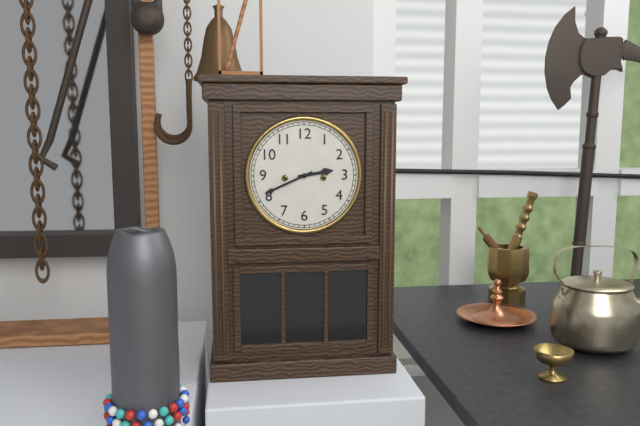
2.41
